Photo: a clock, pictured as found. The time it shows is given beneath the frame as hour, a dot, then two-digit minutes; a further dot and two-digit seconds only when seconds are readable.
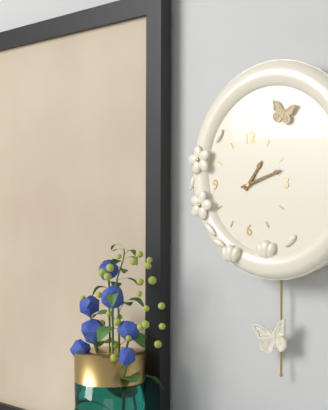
1.12
